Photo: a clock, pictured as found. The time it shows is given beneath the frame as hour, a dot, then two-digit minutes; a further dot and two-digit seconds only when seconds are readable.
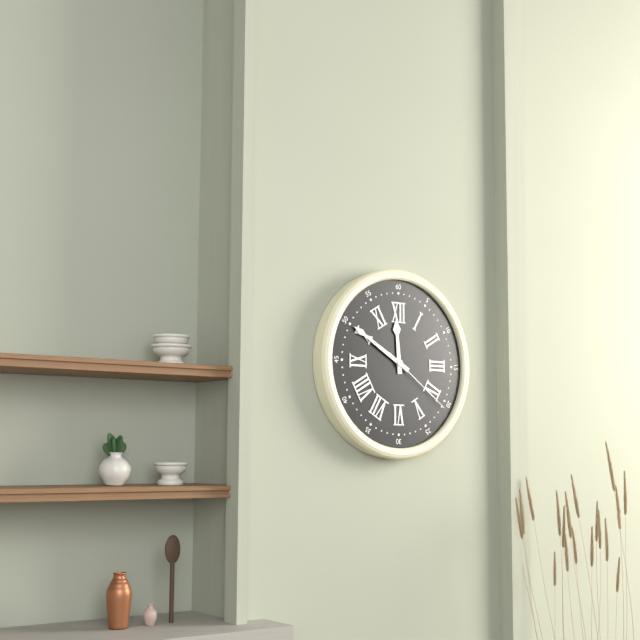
11.50.21
